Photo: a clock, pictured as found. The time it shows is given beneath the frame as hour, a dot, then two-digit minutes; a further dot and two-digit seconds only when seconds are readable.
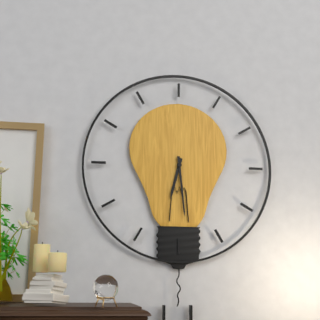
6.29
